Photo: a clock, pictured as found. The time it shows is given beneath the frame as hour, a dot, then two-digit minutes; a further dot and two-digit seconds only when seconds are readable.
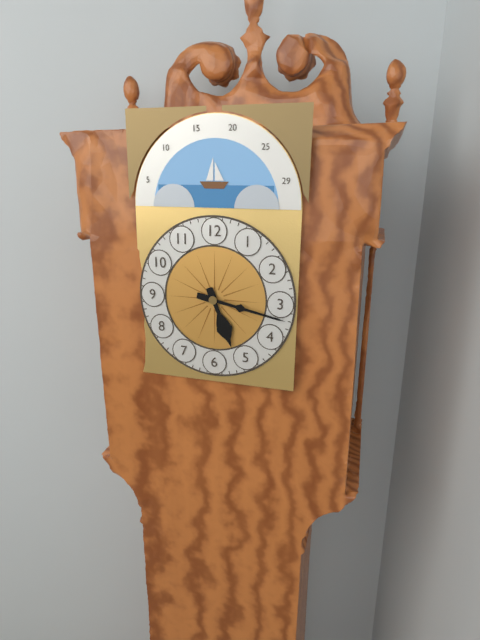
5.17
